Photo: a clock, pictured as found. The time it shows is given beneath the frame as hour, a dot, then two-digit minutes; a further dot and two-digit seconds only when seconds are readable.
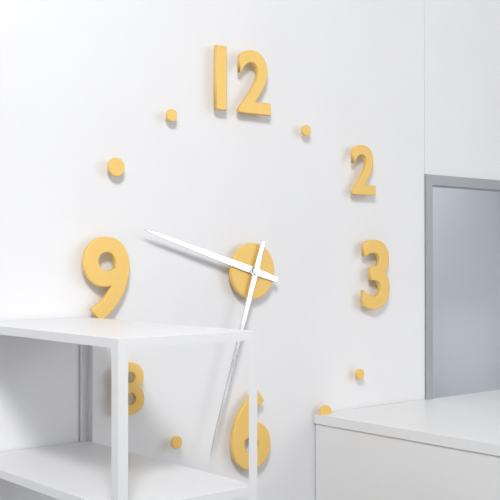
9.33
